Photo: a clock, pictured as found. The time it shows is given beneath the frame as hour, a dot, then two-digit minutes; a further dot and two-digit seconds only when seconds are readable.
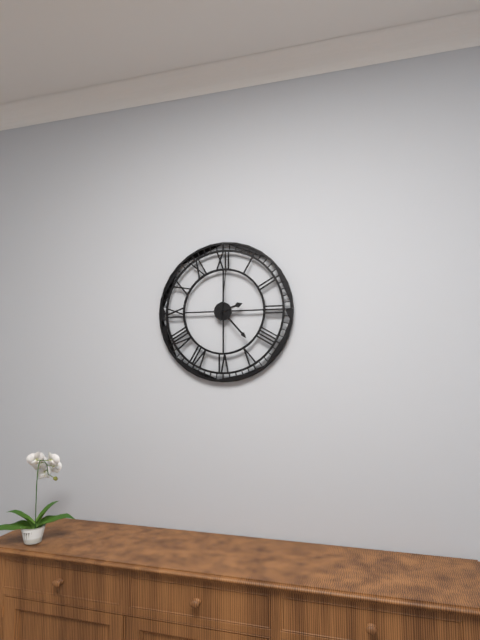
2.23.01
